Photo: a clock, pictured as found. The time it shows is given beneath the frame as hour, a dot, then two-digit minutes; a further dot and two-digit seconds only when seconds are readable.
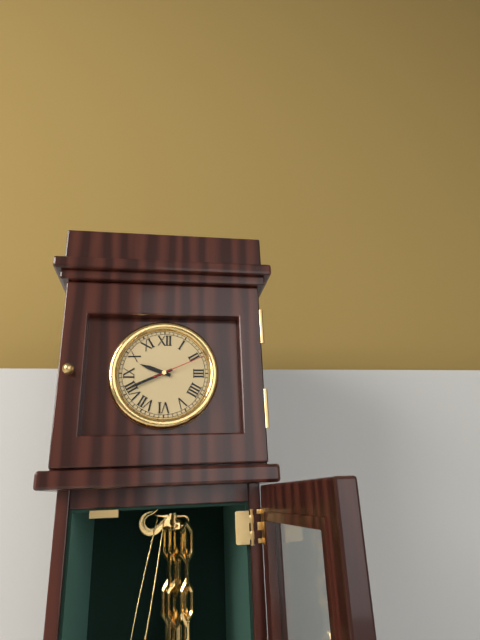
9.41.11
